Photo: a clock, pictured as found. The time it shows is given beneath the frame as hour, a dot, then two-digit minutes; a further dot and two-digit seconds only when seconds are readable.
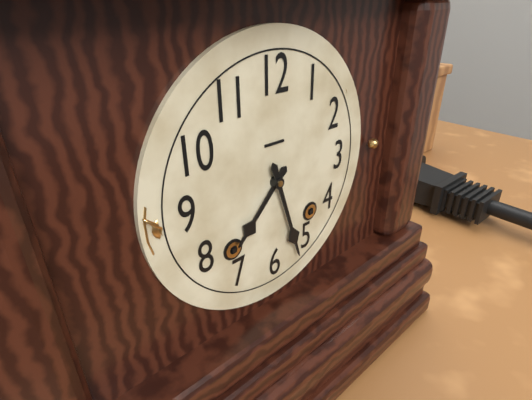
7.27
